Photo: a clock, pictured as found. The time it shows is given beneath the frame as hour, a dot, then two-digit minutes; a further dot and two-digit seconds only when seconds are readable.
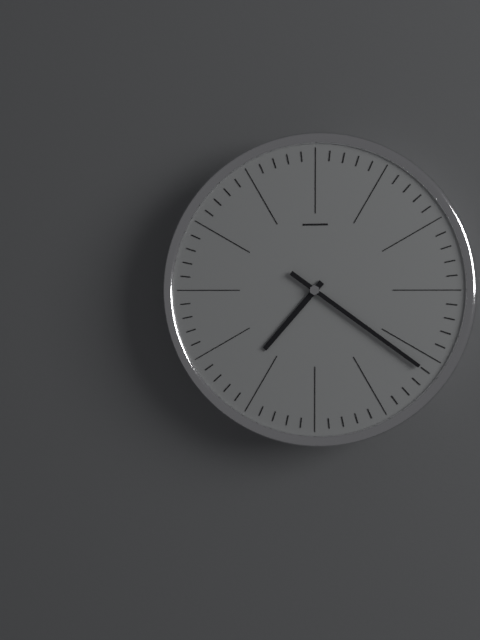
7.21
